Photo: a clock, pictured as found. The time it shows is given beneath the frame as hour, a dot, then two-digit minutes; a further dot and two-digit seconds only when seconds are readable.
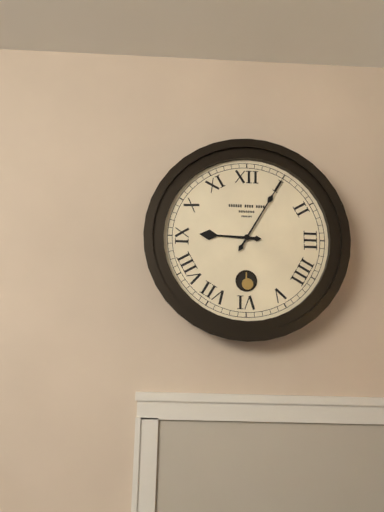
9.05
